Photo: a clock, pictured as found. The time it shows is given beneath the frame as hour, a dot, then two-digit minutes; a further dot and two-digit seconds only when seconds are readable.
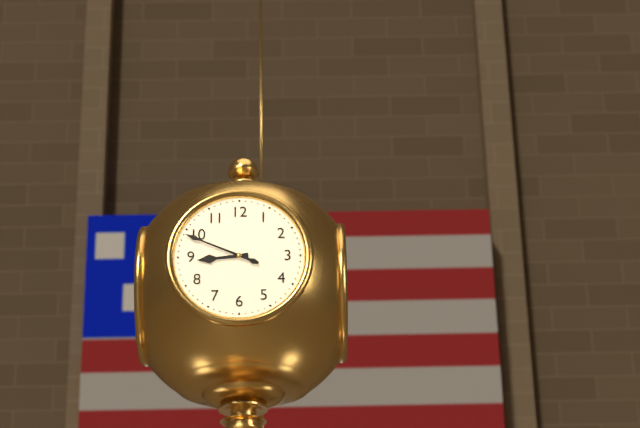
8.49
